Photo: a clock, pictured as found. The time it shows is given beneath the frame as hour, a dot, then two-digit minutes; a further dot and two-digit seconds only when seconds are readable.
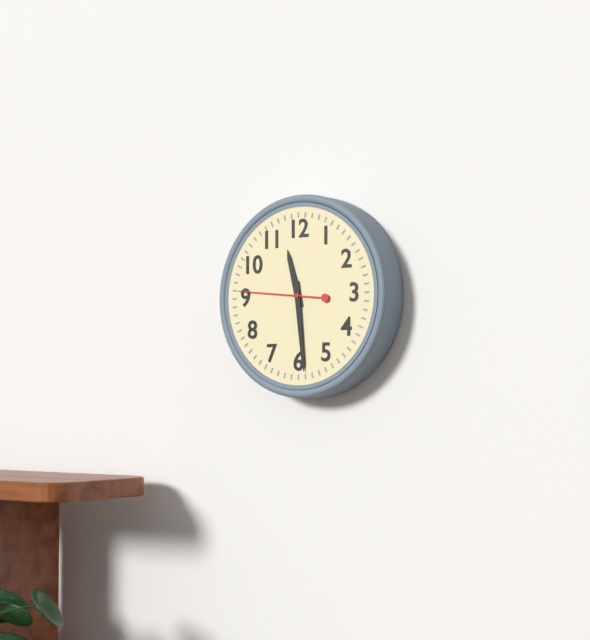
11.29.46
